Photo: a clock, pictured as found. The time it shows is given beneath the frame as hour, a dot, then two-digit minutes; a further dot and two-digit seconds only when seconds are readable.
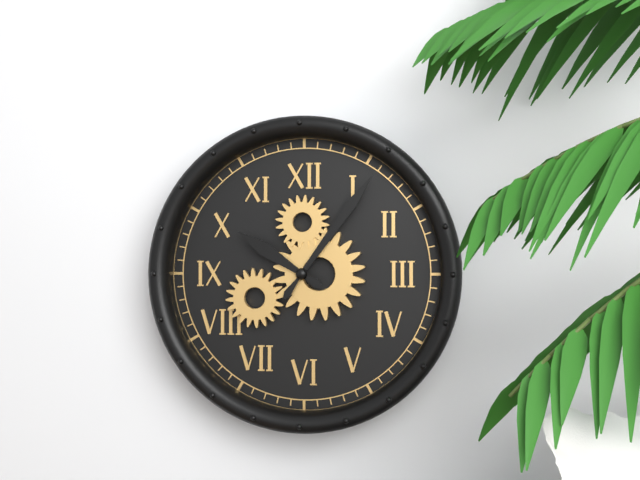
10.06
